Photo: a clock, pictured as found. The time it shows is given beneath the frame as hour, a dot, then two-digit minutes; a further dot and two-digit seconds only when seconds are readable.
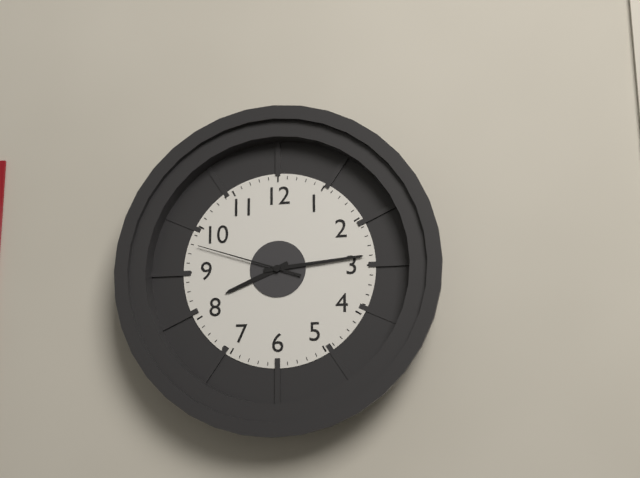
8.14.48
